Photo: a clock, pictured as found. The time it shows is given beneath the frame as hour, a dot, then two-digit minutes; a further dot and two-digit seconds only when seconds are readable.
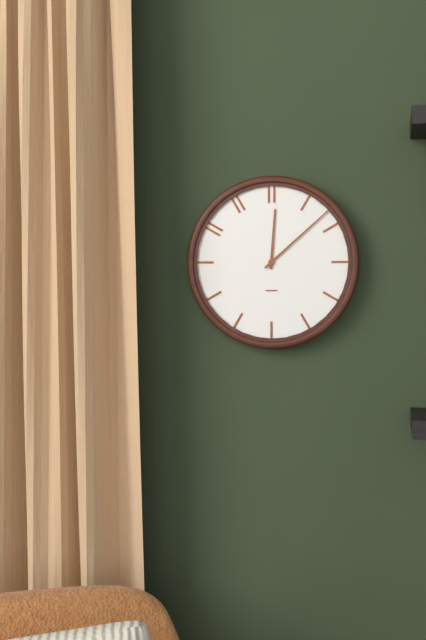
12.08
